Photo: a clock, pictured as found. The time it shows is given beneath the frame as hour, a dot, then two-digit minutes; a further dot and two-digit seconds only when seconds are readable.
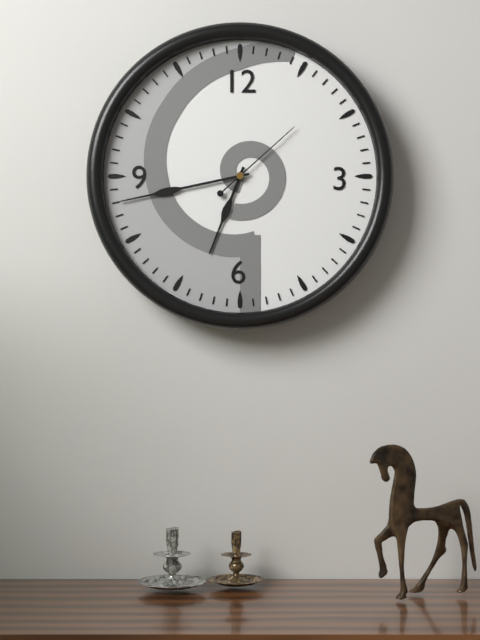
6.43.08
